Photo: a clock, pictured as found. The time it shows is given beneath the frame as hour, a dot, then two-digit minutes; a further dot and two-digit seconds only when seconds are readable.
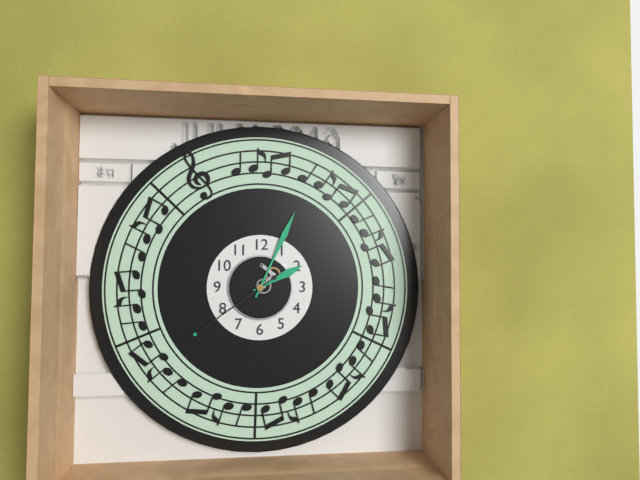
2.04.39
